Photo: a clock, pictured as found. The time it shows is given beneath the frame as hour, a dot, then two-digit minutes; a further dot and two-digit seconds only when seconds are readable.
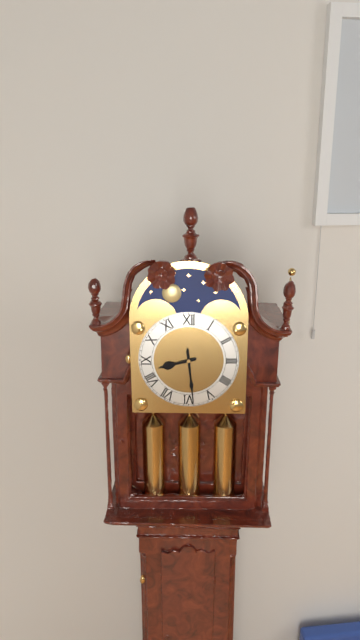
8.29
